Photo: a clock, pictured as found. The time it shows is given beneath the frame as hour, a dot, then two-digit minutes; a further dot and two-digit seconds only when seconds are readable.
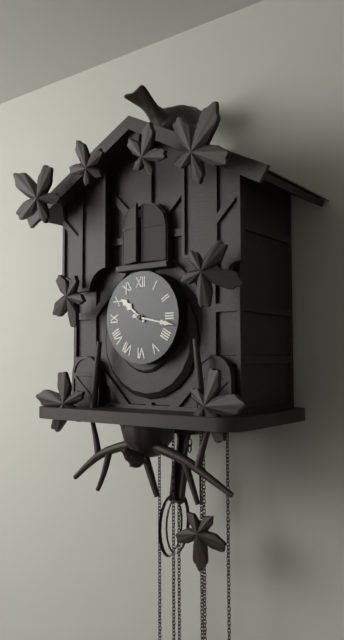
10.17
